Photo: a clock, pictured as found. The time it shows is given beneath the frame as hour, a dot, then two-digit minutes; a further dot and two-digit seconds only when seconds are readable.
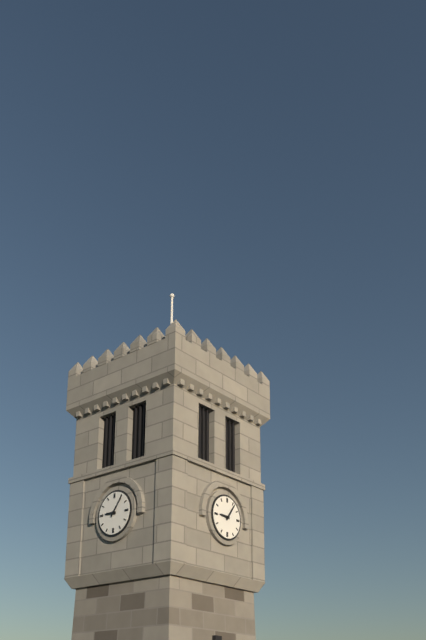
9.06
